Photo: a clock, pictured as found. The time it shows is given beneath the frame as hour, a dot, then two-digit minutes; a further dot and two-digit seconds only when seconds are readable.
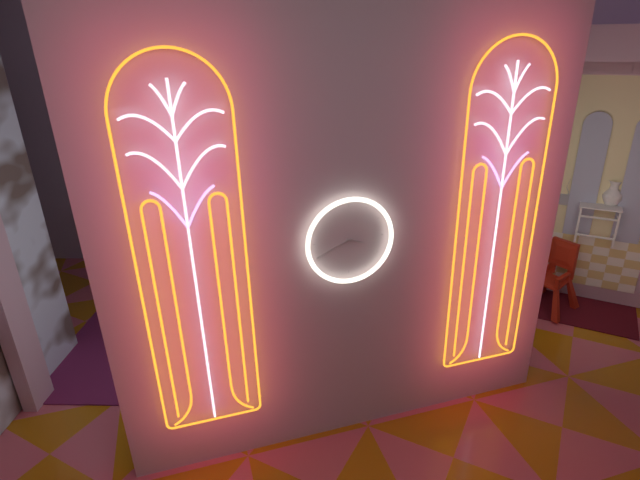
3.41
